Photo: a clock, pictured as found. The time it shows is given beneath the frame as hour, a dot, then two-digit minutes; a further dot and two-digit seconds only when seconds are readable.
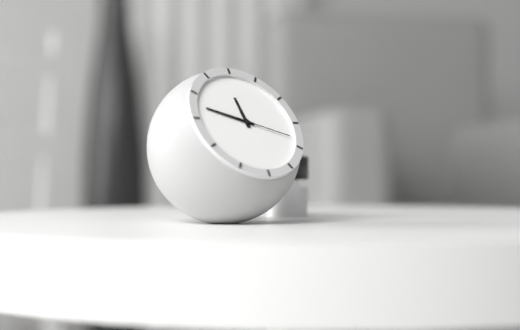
11.48.18
